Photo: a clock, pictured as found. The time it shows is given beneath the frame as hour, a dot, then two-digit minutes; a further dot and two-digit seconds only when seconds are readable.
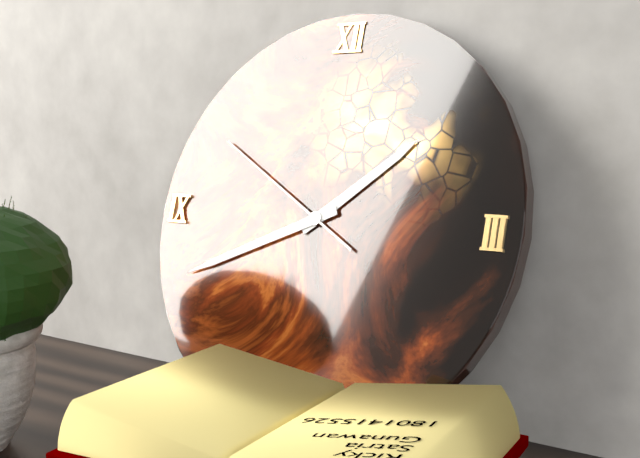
1.41.50
